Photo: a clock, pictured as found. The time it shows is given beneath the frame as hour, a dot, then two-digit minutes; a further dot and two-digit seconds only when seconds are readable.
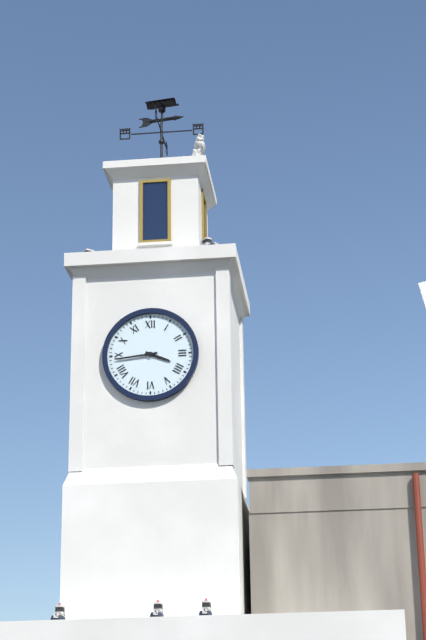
3.44
